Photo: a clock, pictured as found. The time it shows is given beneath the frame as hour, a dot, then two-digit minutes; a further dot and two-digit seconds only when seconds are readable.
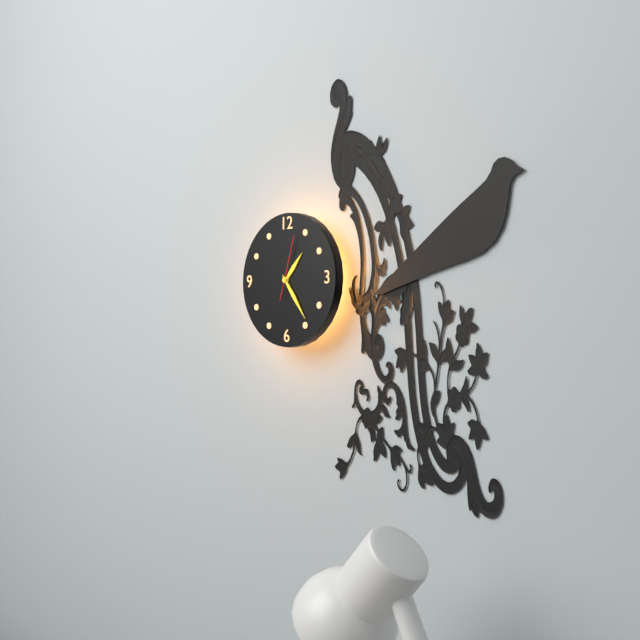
1.24.03
